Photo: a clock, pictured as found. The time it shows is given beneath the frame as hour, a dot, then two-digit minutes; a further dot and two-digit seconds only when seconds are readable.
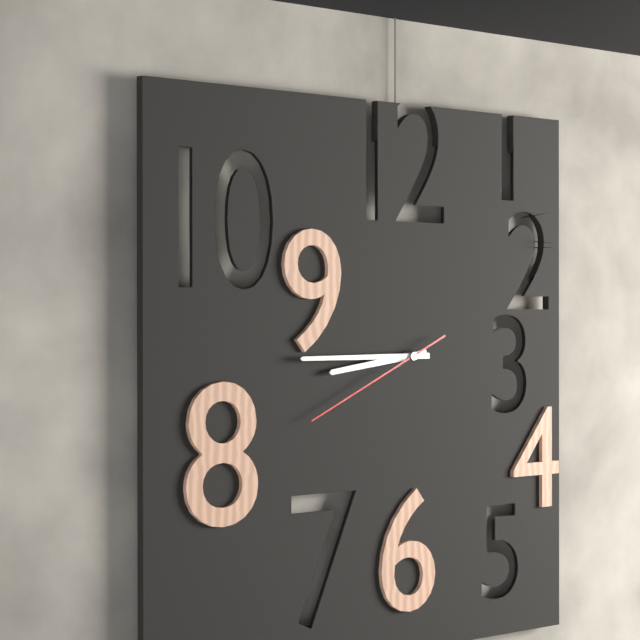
8.45.41
